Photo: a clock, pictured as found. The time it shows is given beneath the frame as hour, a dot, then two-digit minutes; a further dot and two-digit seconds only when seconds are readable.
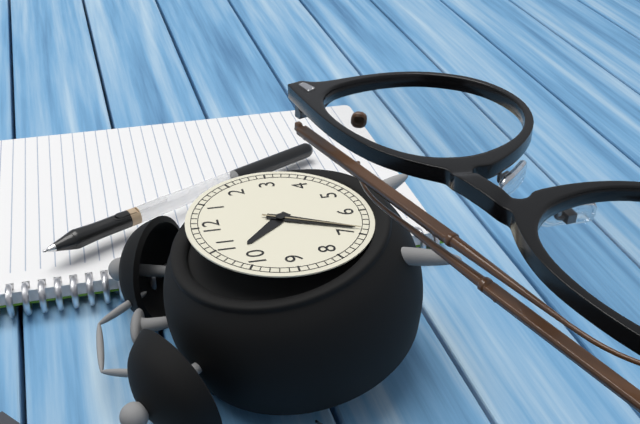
10.34.34
